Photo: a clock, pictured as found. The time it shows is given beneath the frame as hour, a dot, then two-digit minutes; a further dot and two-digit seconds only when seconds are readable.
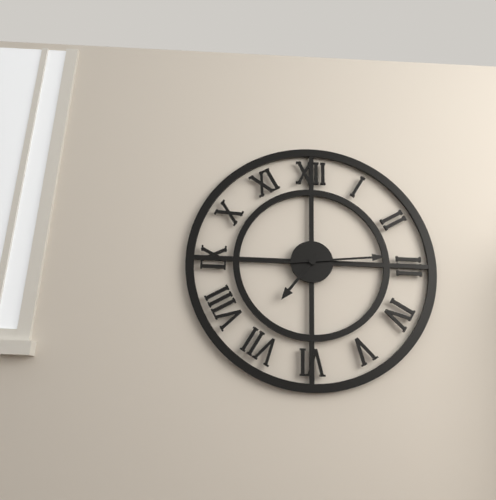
7.14
